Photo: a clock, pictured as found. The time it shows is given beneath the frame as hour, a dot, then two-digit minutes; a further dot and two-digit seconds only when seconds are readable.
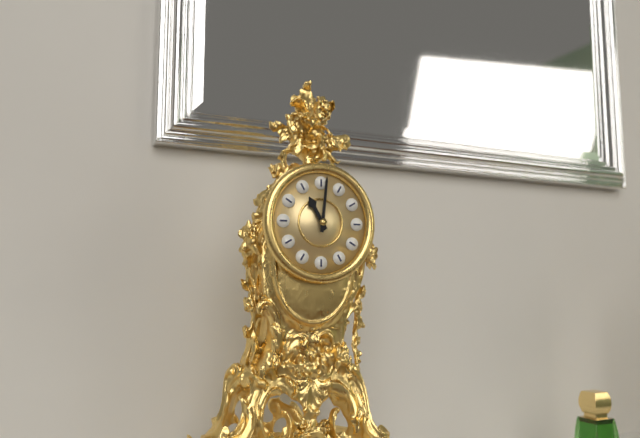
11.01
